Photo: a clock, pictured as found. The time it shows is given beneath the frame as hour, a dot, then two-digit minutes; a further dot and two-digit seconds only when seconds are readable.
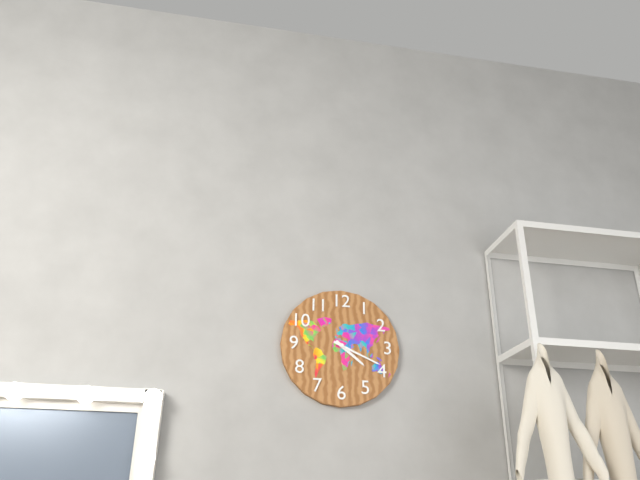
4.19
